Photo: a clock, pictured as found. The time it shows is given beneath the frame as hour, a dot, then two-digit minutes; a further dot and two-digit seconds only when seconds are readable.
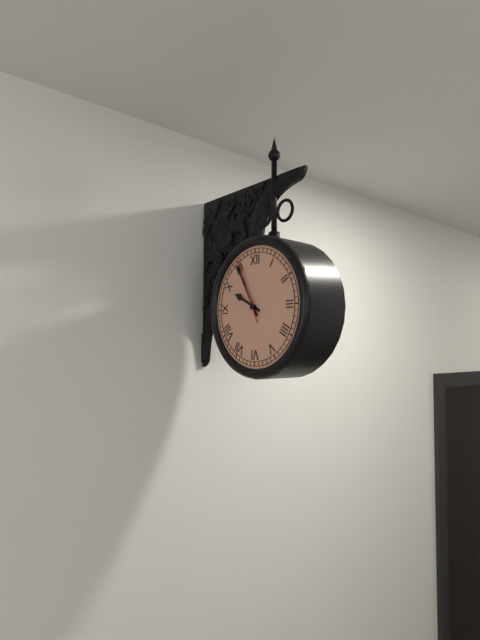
9.55.56
